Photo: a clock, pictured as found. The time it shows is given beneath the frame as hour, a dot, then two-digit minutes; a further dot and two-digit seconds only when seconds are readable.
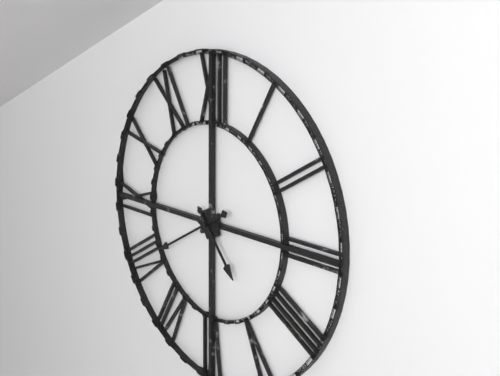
4.40
